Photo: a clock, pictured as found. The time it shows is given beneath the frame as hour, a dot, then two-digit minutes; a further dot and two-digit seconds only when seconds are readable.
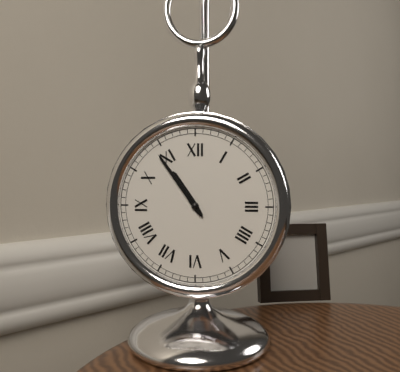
10.54
